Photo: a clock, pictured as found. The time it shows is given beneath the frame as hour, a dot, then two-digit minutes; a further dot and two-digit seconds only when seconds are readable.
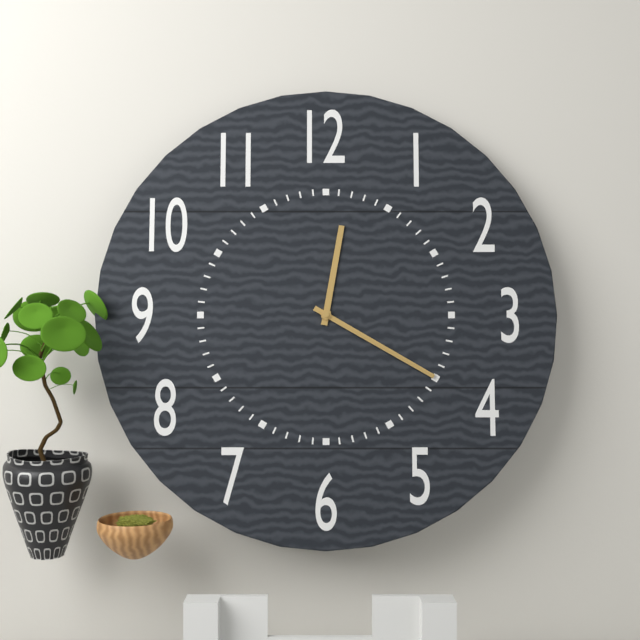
12.20
